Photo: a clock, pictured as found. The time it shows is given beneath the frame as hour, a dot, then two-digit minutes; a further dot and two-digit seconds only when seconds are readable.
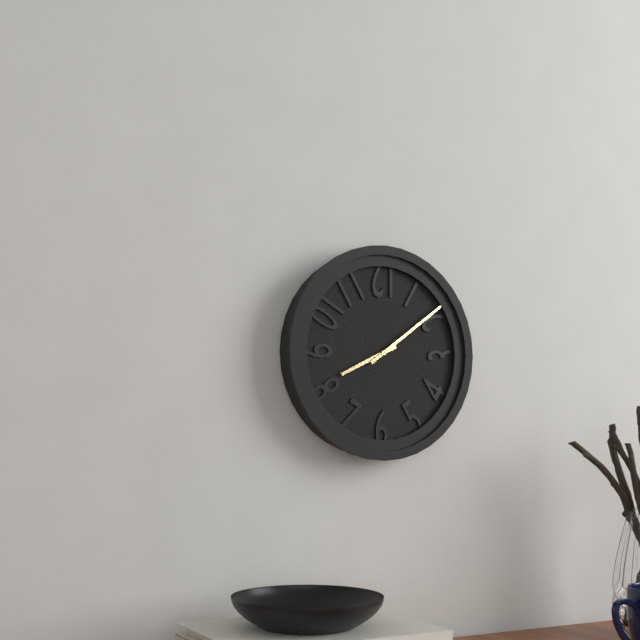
8.09
